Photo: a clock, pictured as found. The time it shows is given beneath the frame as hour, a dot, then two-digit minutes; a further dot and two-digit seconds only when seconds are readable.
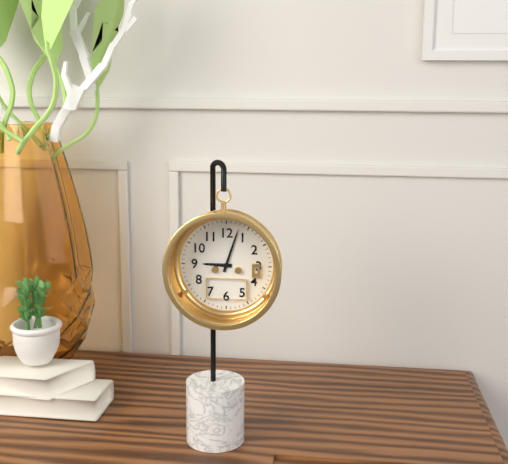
9.03
